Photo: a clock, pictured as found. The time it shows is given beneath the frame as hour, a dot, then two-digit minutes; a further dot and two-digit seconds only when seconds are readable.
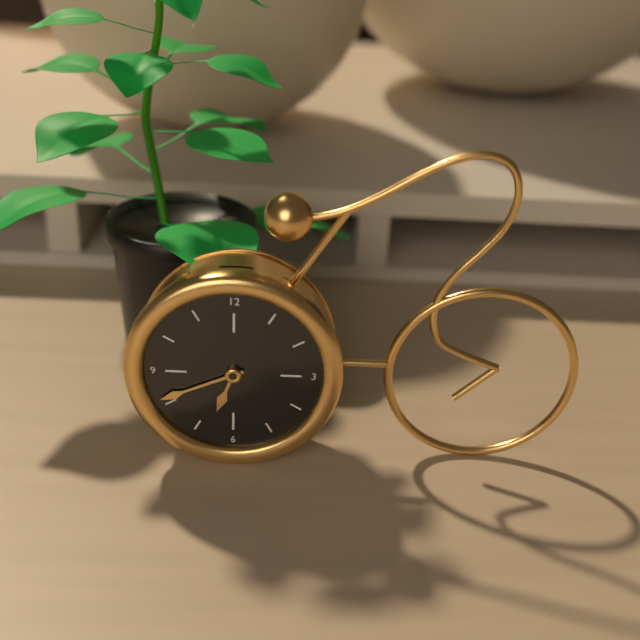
6.41
